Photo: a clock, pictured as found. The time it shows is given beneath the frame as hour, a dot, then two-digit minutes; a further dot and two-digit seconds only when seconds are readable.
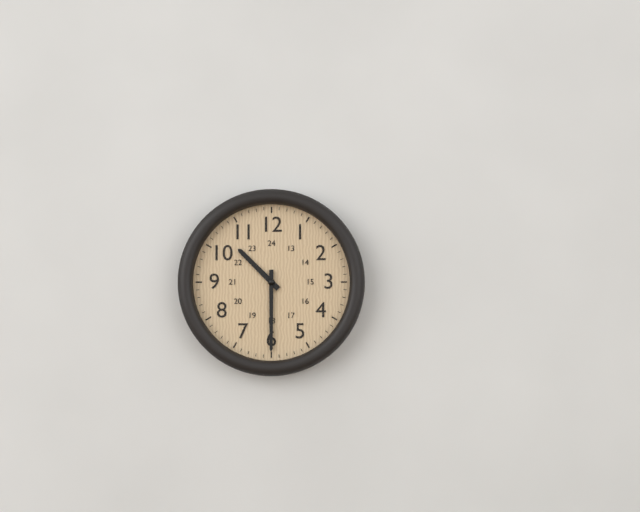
10.30
